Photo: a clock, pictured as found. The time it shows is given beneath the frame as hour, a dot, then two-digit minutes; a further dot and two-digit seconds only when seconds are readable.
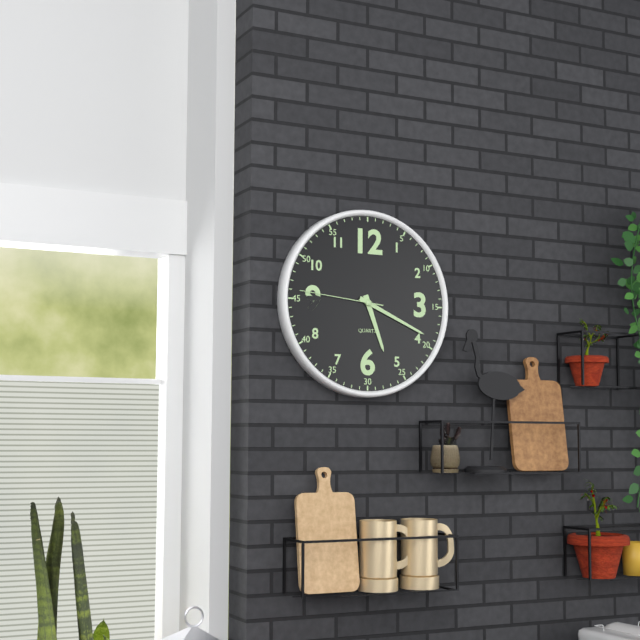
5.19.46
